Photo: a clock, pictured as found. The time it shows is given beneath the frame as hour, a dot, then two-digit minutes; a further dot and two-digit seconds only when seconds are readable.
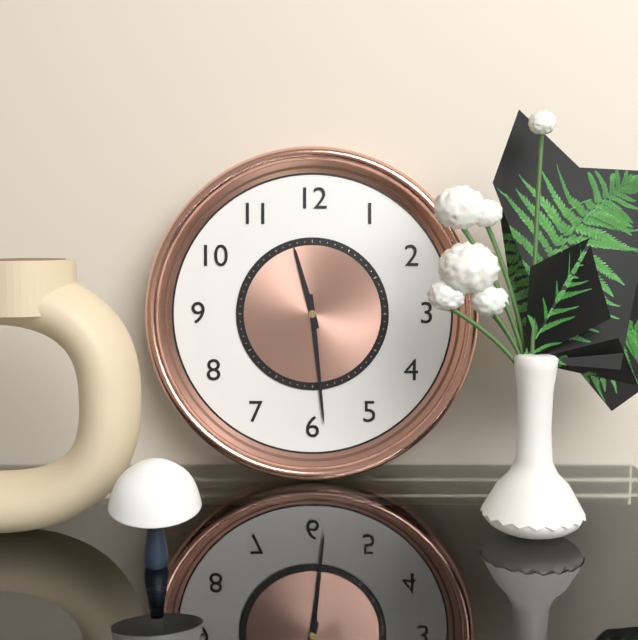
11.29
